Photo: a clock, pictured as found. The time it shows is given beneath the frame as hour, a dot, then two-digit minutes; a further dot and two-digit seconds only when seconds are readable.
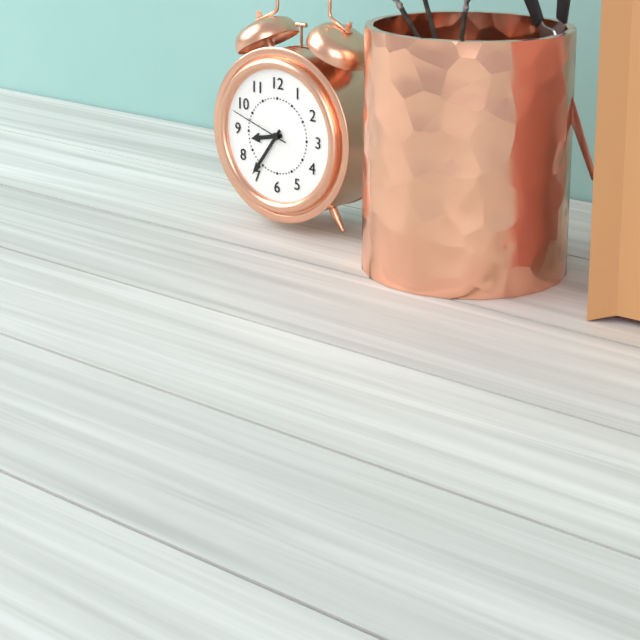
8.36.48
